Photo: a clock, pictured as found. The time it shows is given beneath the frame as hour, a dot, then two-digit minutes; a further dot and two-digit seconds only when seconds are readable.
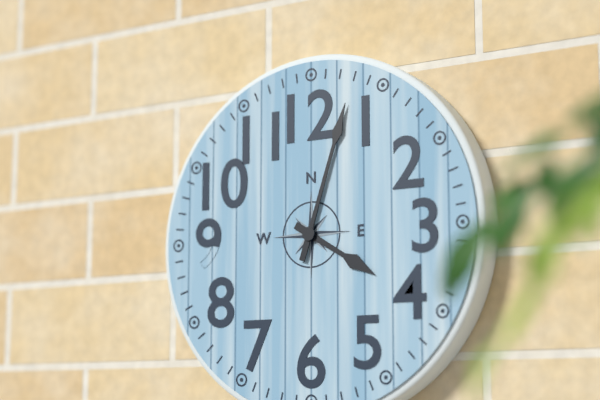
4.03
